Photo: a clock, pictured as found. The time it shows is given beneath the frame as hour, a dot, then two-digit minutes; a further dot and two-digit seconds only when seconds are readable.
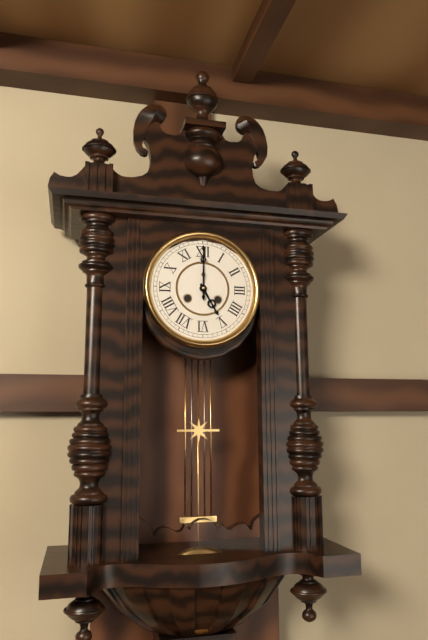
5.00
